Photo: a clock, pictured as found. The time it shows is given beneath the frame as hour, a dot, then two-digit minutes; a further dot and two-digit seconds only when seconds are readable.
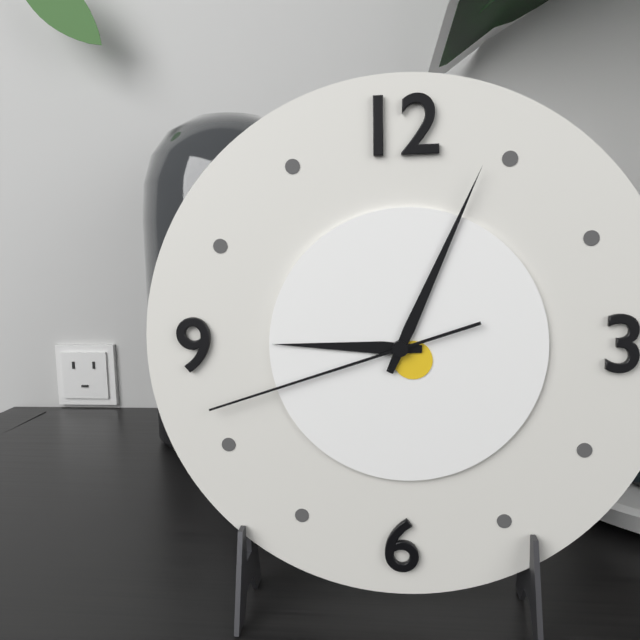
9.04.42
